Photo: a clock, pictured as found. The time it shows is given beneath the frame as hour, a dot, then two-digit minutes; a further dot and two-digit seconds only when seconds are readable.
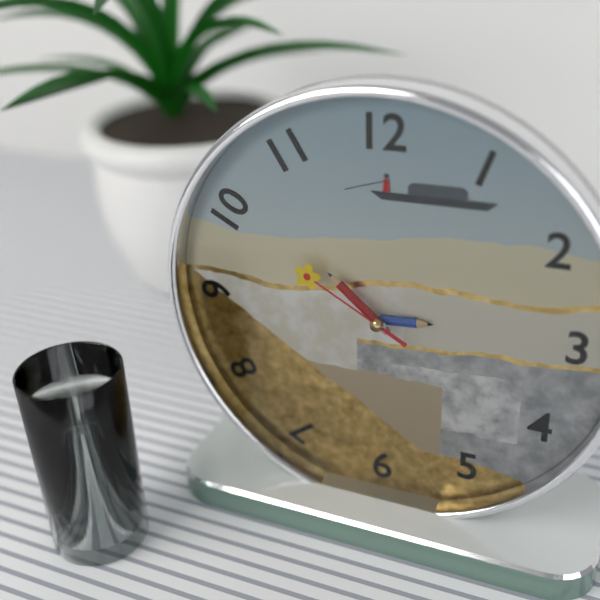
2.52.50
